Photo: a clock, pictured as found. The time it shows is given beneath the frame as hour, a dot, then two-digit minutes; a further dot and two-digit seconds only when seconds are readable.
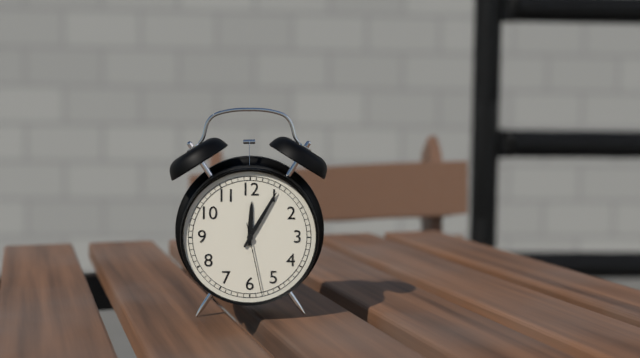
12.05.28
